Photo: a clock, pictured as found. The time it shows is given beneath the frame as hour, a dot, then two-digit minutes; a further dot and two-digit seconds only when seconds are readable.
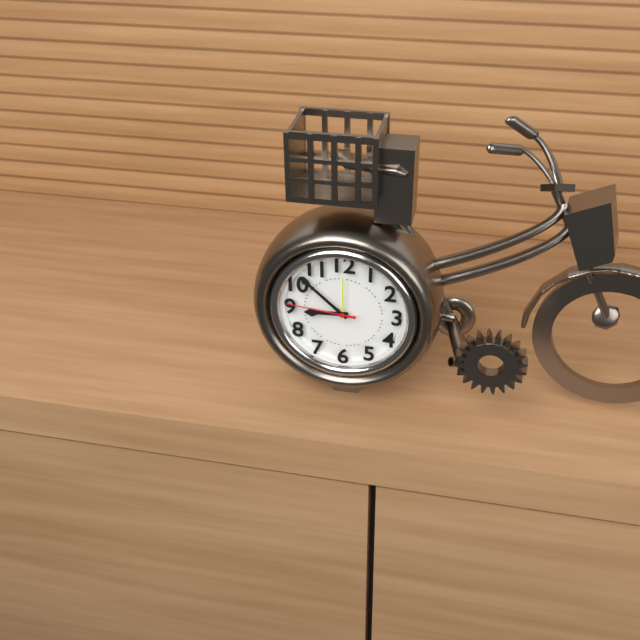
8.52.46
